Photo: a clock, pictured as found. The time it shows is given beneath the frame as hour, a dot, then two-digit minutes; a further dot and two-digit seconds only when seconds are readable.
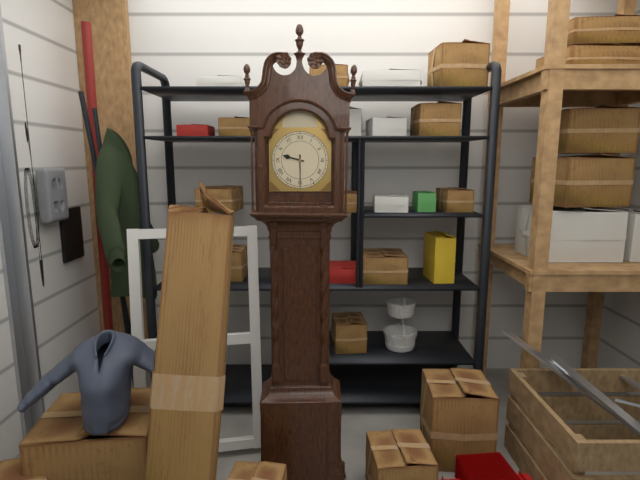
9.30
